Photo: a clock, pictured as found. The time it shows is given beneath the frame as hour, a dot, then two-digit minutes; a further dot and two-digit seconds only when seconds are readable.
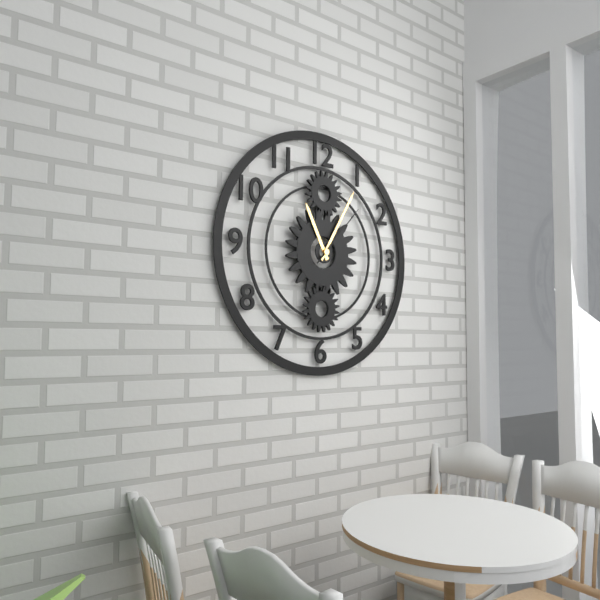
11.05.07
